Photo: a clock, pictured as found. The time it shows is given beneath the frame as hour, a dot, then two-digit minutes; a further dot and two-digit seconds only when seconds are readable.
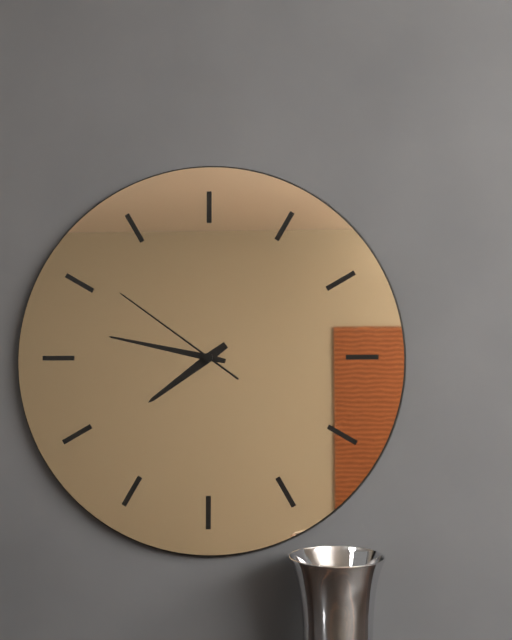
7.47.51
